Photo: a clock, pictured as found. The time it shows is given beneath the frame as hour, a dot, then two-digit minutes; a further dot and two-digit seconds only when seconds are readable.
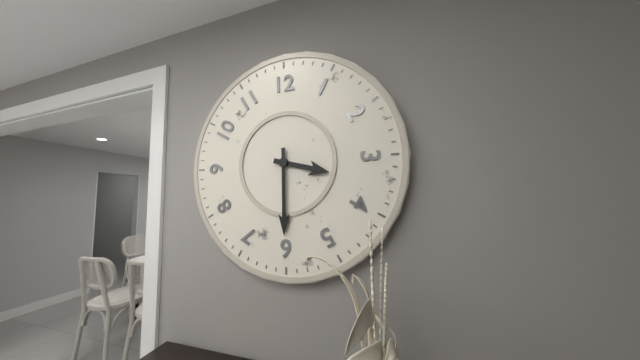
3.30
